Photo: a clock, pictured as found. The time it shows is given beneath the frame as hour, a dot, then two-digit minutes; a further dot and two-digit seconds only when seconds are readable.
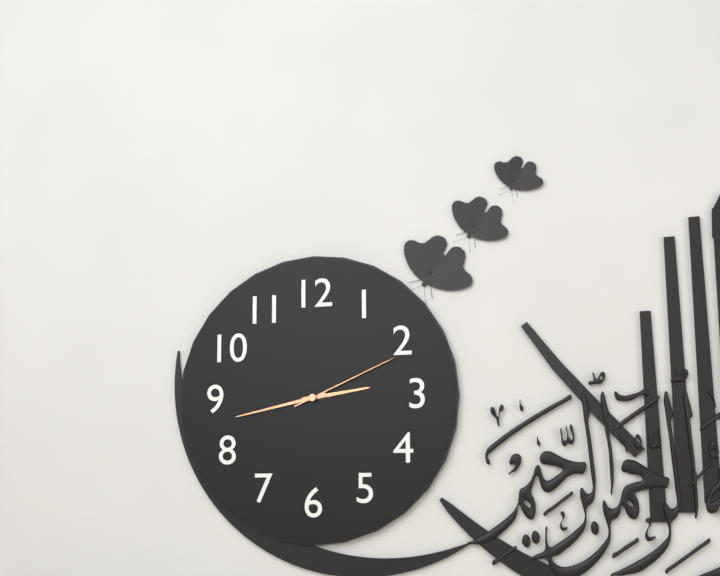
2.43.11
